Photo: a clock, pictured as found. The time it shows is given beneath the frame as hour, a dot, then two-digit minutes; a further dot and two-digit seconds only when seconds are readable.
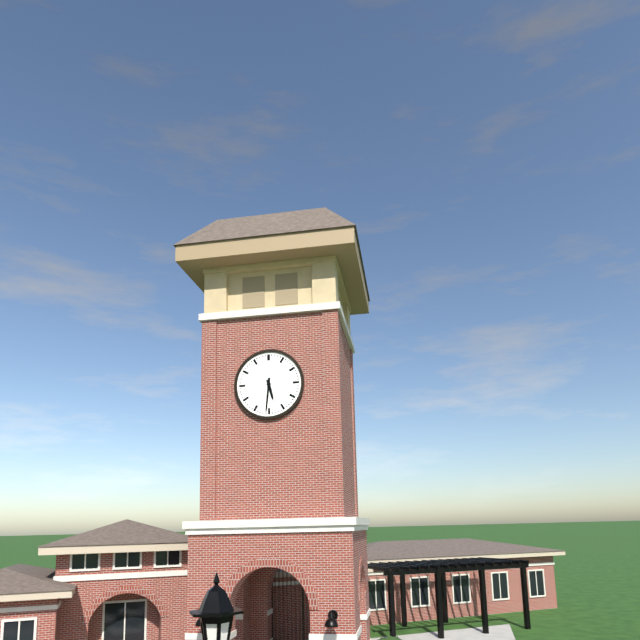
5.31
